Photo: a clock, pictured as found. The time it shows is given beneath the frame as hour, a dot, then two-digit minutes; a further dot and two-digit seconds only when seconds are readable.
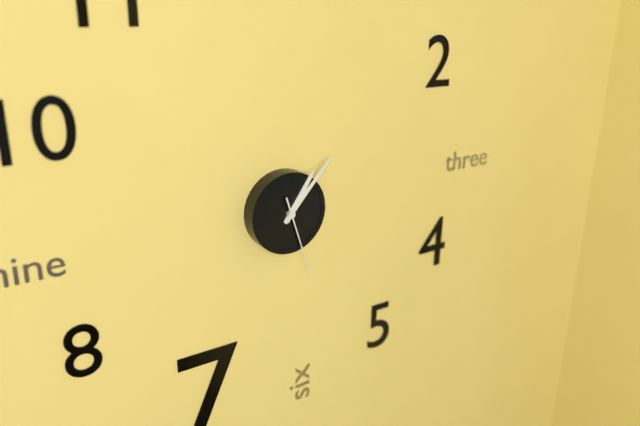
1.07.27
